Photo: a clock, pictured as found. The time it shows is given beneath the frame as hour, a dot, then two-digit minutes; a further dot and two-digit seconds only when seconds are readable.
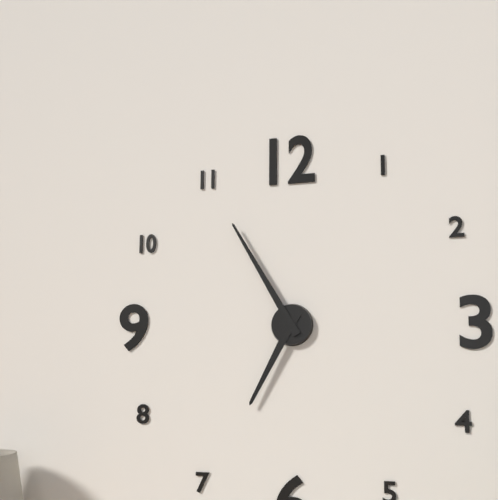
6.55
